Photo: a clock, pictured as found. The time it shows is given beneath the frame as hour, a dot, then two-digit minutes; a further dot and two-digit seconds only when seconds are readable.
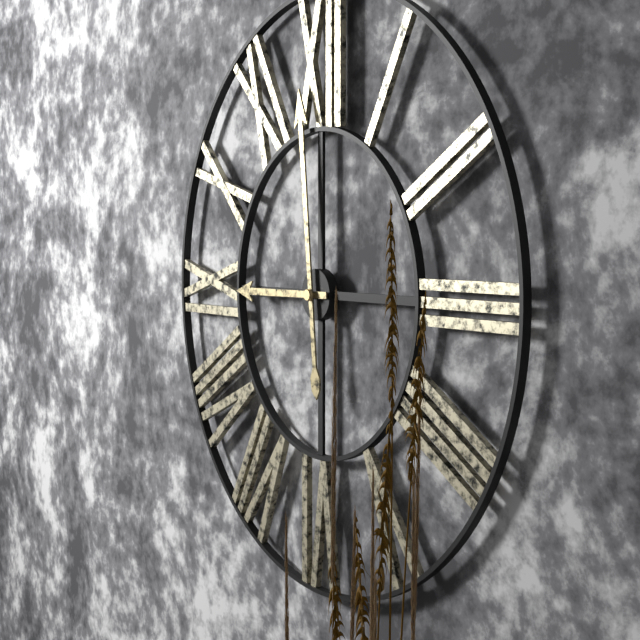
8.59
